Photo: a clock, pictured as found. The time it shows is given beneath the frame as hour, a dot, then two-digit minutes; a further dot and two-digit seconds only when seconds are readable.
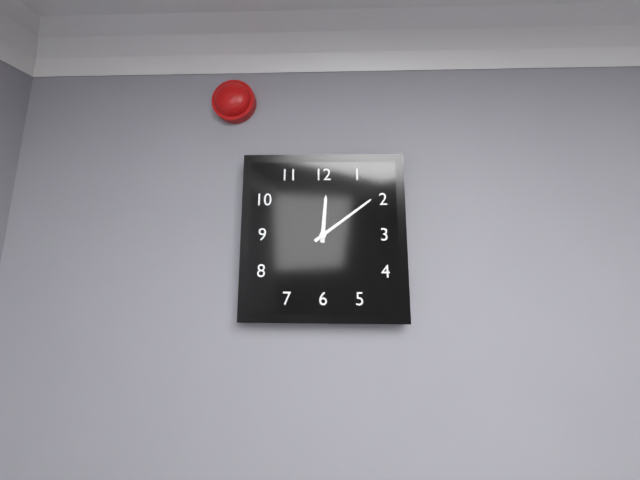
12.09
